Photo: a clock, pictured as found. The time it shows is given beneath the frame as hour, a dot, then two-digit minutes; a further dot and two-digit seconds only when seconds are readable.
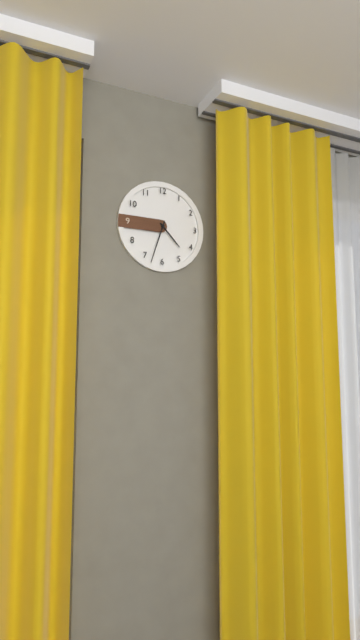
4.33
